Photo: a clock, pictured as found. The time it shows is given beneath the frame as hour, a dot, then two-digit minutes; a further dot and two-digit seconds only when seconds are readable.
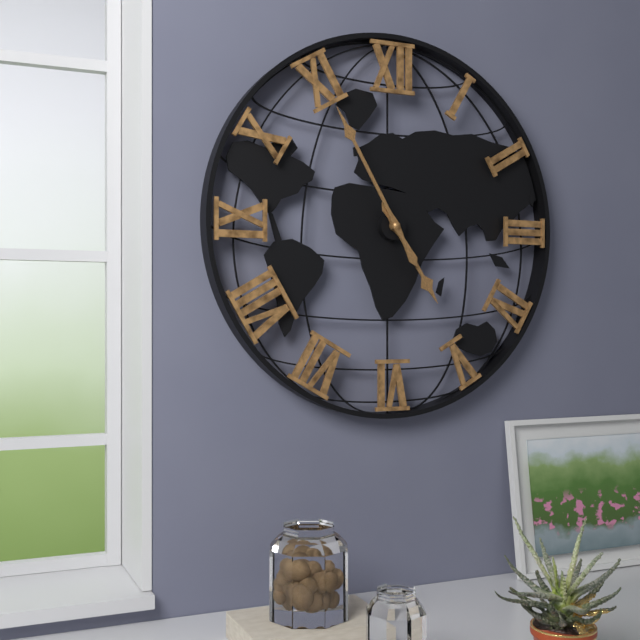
4.55
